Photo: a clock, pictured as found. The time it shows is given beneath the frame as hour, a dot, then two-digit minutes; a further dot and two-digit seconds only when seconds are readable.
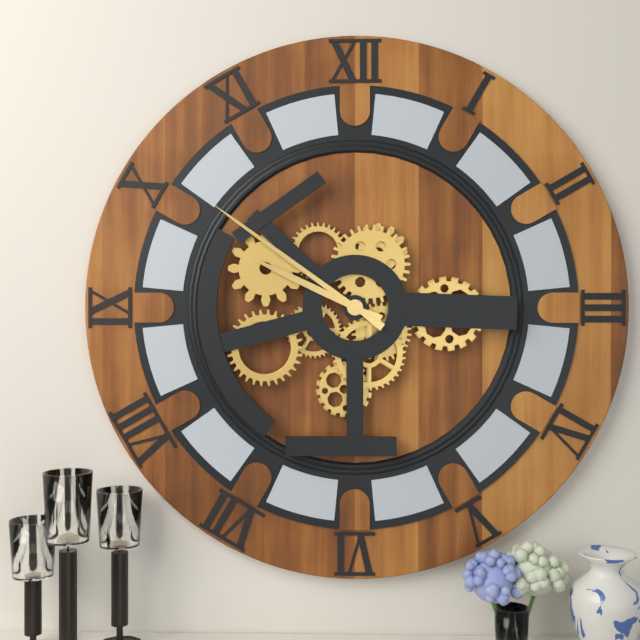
9.51
